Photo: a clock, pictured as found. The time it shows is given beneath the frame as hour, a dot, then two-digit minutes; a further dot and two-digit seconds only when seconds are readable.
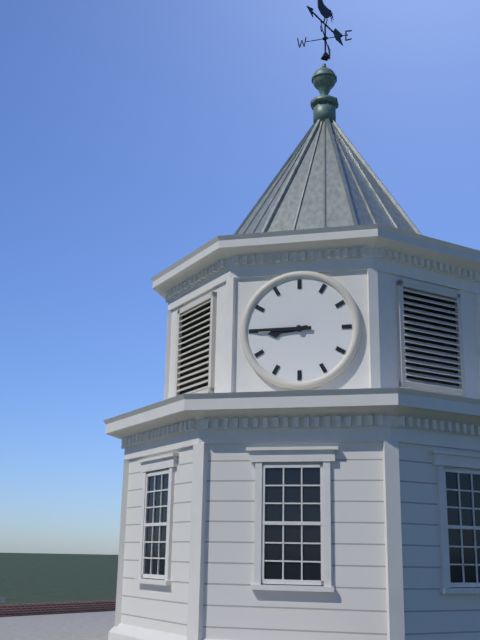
8.45
